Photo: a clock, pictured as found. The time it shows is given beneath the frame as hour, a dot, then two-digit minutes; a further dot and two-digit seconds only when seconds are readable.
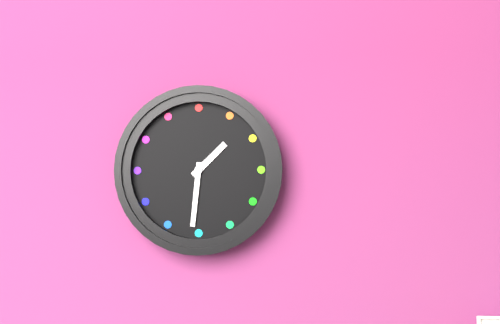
1.31
